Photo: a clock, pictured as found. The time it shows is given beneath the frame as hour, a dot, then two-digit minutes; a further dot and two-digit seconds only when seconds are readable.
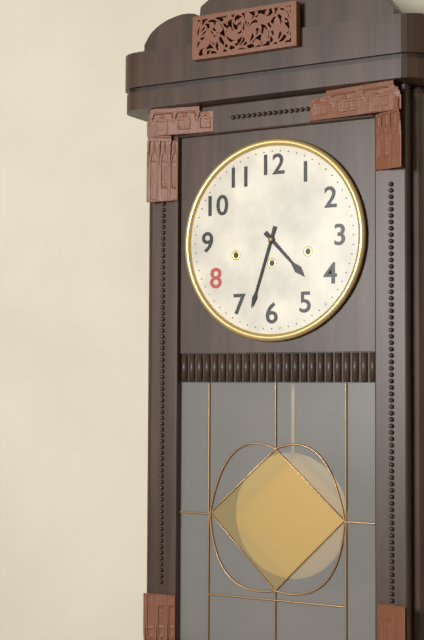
4.33
